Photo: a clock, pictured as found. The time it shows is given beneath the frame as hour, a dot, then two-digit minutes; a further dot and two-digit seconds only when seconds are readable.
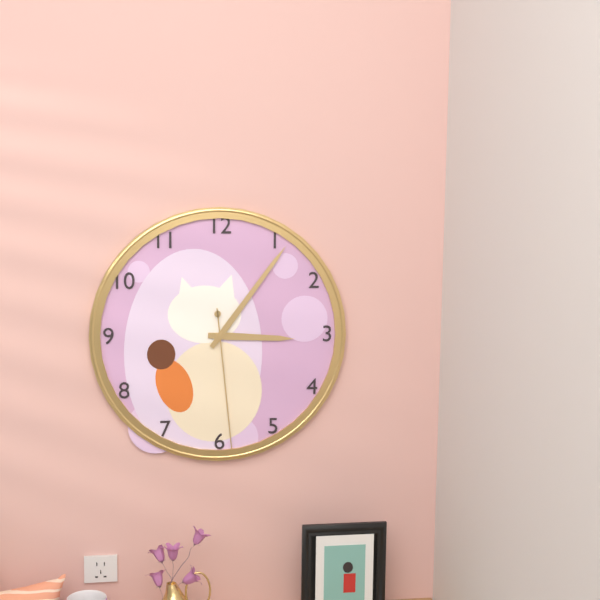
3.06.29
